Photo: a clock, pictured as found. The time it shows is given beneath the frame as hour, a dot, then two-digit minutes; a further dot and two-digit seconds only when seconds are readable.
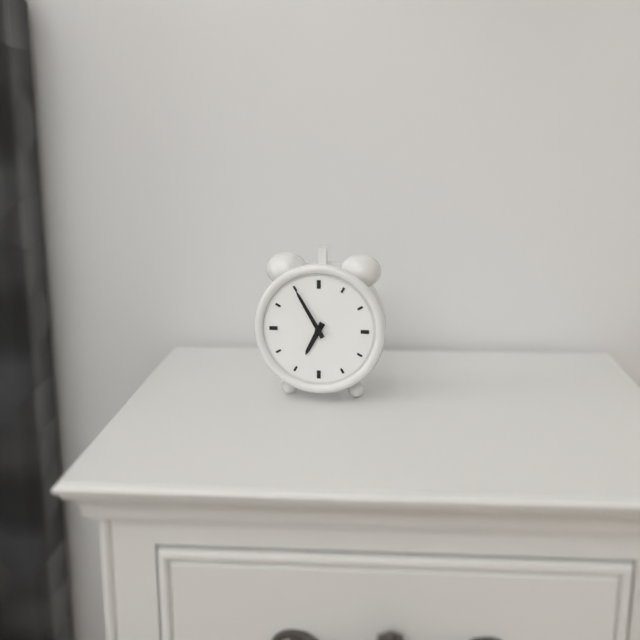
6.55
